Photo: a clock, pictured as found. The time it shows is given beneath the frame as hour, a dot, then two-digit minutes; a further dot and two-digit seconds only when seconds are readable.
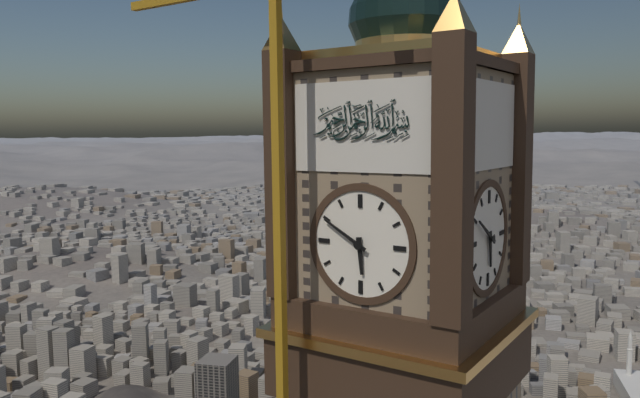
5.50
